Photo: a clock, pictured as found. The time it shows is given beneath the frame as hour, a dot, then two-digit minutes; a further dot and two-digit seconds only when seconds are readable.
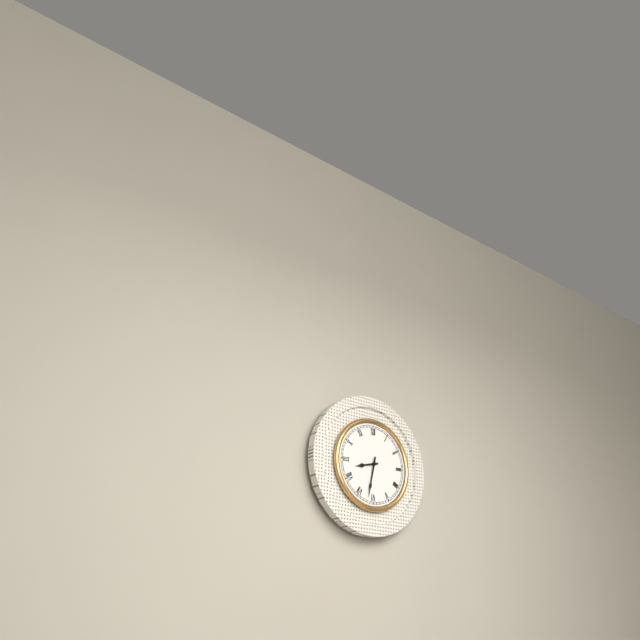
8.32
